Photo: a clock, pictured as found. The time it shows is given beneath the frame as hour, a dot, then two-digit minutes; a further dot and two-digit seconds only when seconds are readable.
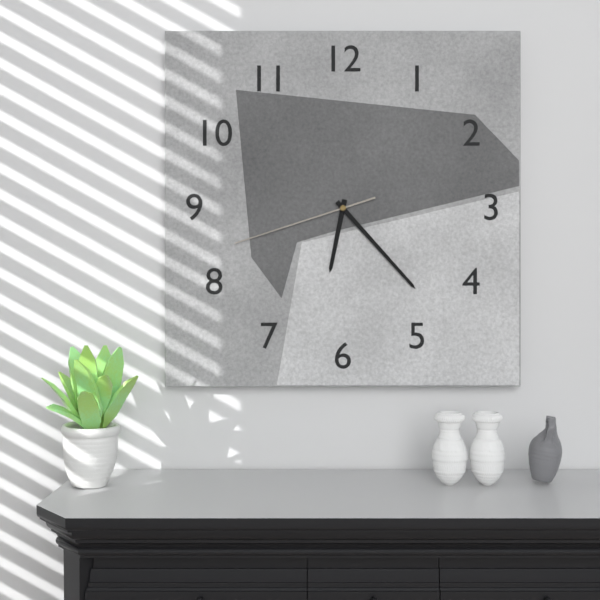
6.23.42
